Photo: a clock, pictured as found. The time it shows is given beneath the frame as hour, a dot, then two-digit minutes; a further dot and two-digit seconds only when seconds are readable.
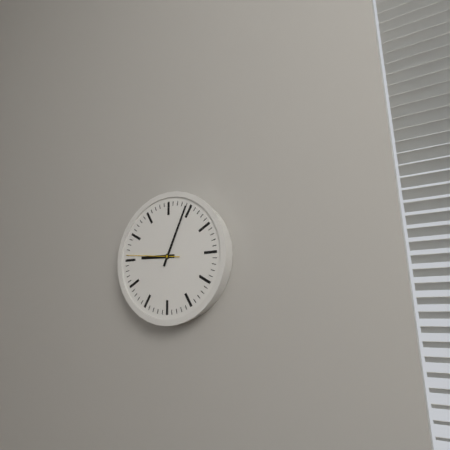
9.04.46
